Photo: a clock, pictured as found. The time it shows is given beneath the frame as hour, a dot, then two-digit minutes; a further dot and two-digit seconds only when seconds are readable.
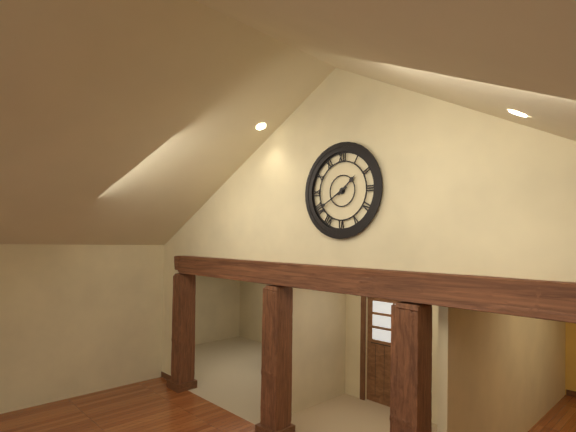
1.40
